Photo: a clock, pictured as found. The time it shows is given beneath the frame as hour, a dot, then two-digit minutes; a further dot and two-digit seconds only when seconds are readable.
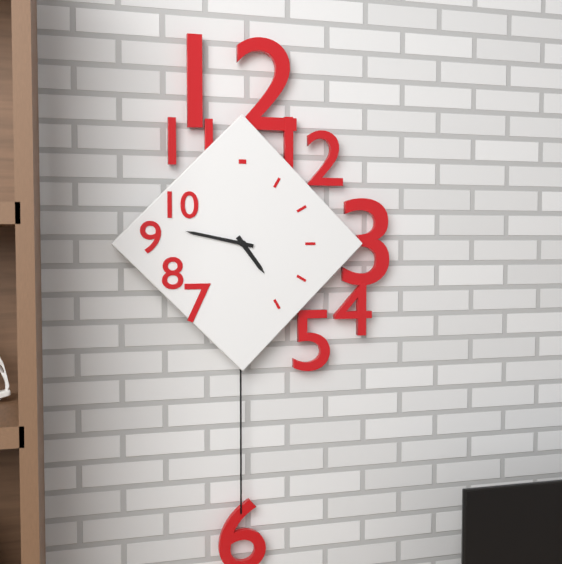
4.47
